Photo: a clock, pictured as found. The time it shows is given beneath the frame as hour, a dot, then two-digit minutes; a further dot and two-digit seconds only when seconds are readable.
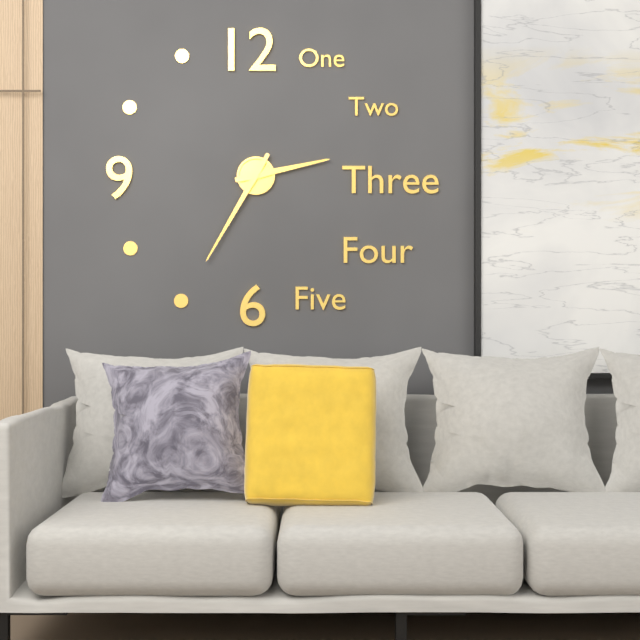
2.35
